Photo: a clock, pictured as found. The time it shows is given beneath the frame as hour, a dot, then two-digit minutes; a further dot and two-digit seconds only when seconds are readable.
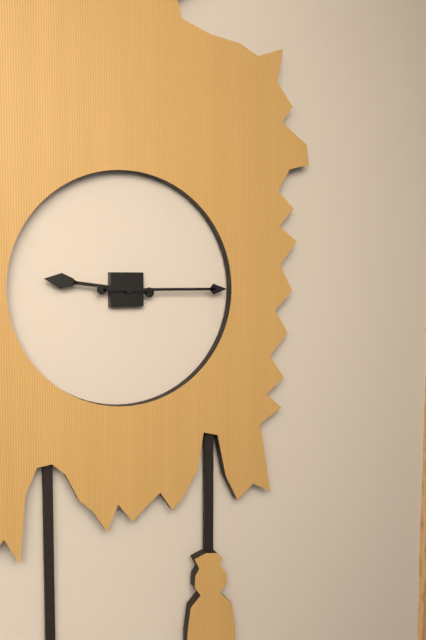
9.15
